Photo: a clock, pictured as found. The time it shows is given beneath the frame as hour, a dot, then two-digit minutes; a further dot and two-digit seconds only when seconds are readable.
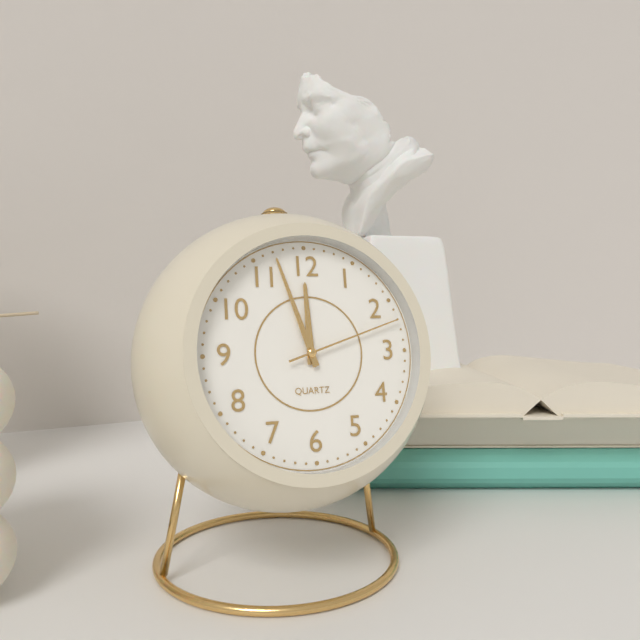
11.57.12
